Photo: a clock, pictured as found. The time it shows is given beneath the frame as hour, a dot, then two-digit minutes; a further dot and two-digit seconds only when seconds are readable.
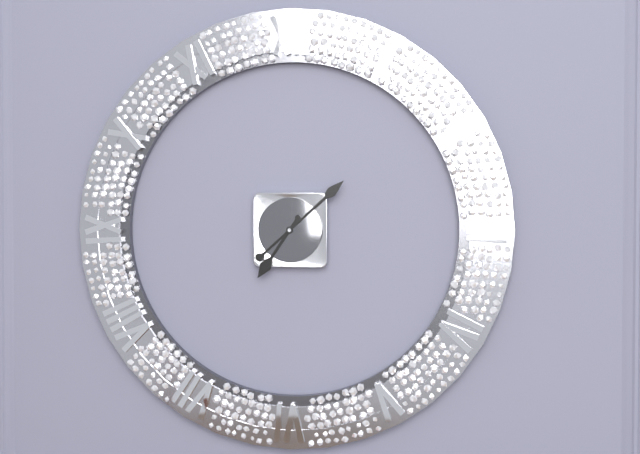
7.08
